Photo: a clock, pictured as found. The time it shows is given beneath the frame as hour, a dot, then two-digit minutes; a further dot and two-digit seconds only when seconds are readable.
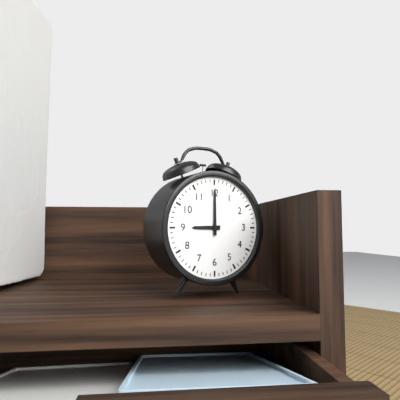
9.00
